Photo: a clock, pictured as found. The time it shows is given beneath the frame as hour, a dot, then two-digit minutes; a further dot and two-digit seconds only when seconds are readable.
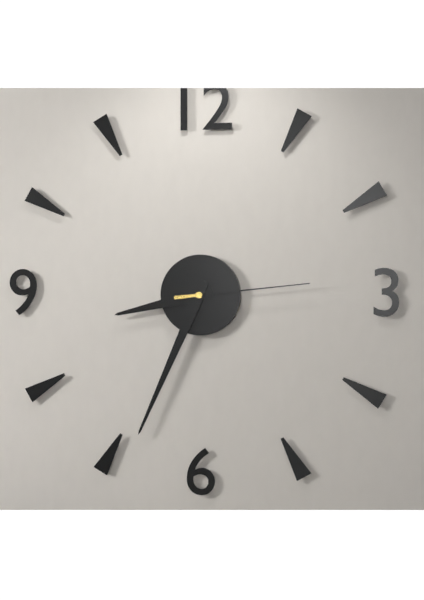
8.34.14
